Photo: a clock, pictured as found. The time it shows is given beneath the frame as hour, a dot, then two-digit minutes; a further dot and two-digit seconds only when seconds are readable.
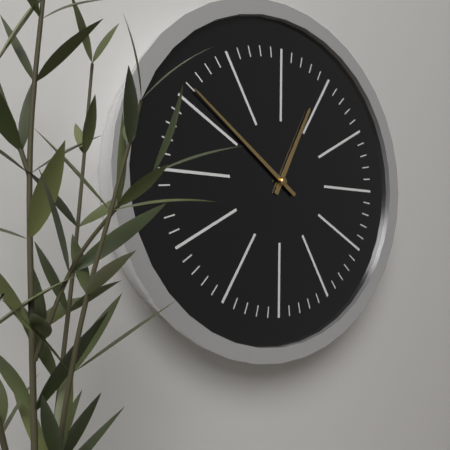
12.51
